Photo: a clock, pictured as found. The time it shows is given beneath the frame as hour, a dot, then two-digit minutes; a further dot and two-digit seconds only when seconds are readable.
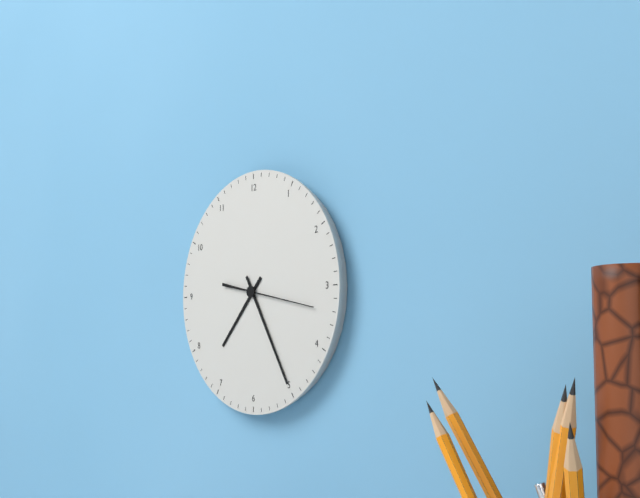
7.25.17
